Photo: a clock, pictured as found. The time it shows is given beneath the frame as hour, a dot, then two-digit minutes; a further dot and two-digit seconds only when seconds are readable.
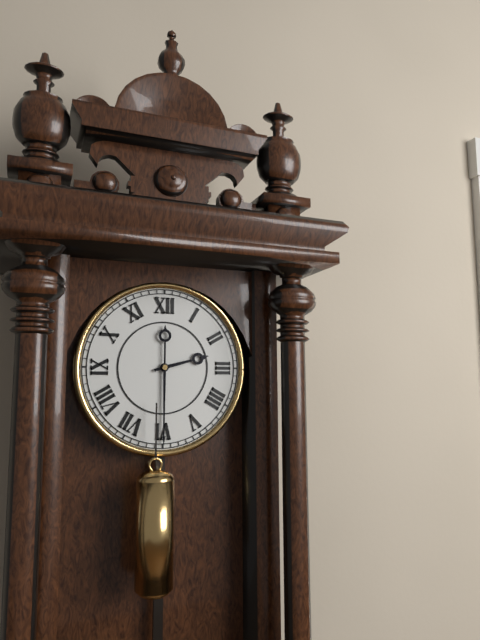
2.30
